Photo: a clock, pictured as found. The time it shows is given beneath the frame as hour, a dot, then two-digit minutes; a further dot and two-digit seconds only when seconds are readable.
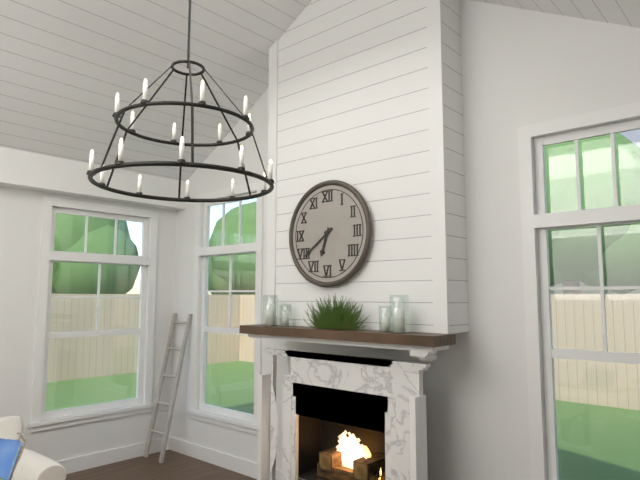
6.39
